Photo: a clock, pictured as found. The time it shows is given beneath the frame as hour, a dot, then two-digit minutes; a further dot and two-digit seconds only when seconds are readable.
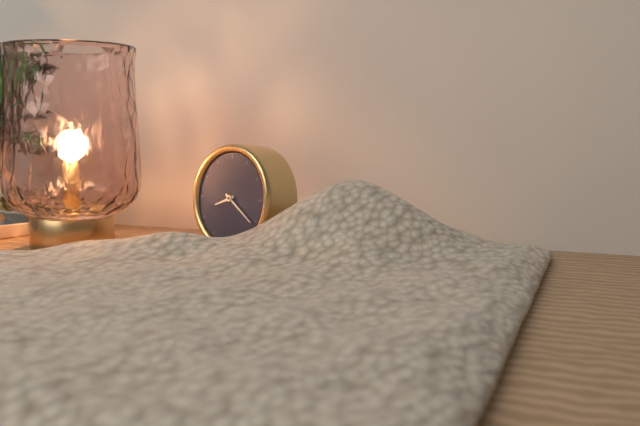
8.21
